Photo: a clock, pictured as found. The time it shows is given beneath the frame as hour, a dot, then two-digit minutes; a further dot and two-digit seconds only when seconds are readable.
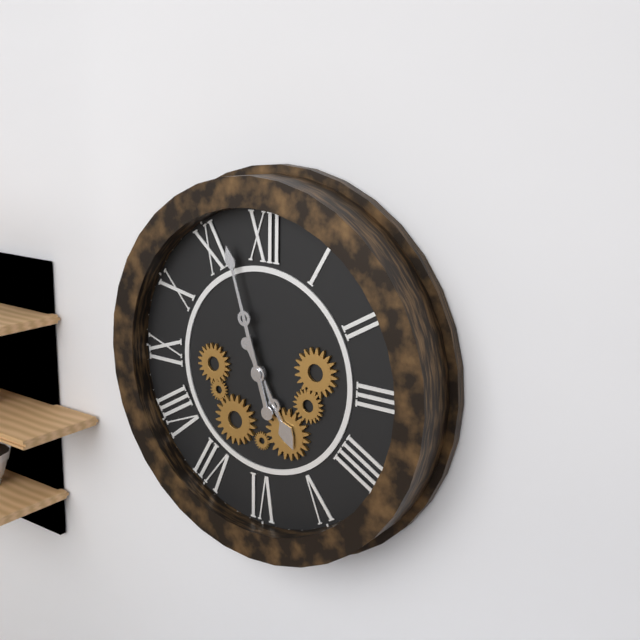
4.57
